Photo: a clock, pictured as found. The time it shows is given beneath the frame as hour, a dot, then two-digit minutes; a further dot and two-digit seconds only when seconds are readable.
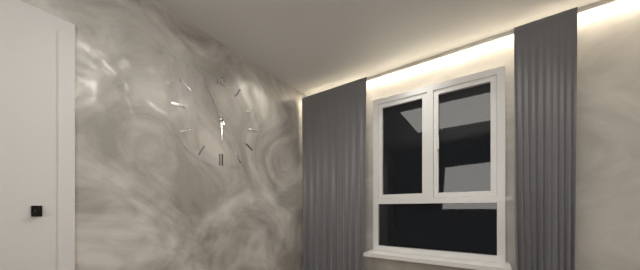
5.55
